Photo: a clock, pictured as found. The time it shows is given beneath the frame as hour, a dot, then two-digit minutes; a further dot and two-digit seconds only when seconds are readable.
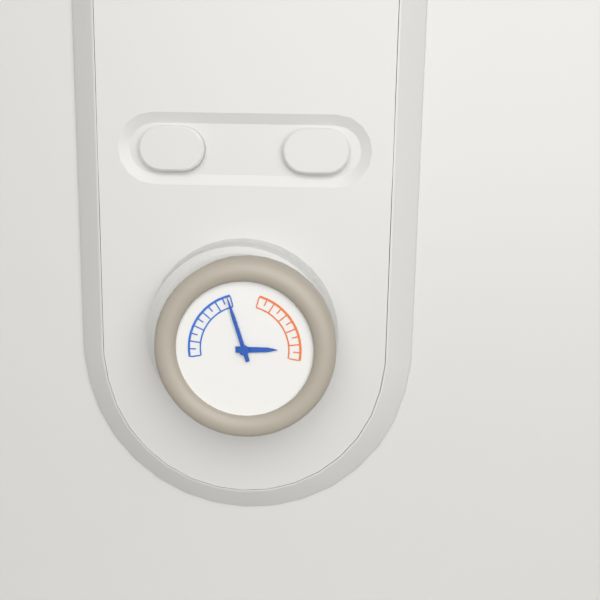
2.57
